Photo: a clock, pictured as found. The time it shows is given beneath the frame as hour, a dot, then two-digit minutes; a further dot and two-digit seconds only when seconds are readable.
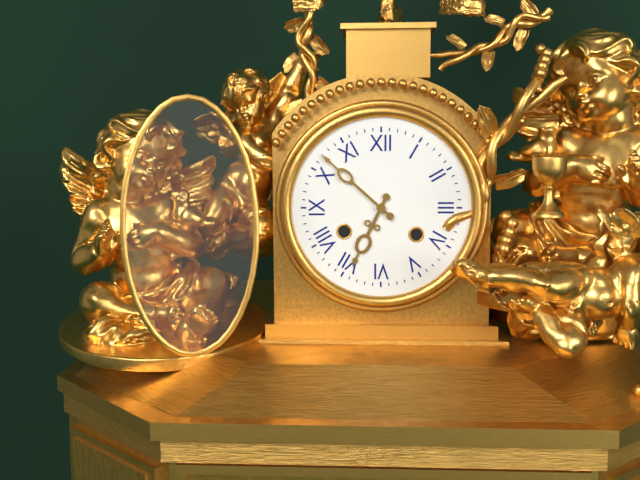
6.52
